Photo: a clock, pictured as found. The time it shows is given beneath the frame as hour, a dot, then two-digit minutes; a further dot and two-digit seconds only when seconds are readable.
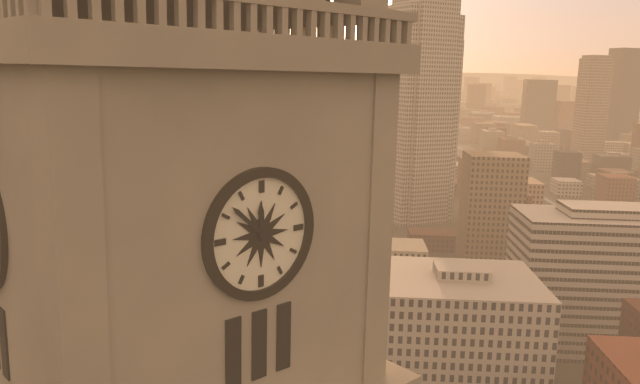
11.52
